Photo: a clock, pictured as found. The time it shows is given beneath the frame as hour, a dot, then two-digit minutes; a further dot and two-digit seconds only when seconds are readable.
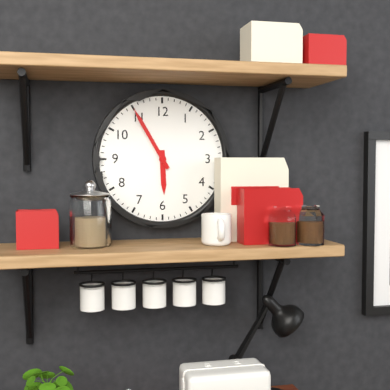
5.55
